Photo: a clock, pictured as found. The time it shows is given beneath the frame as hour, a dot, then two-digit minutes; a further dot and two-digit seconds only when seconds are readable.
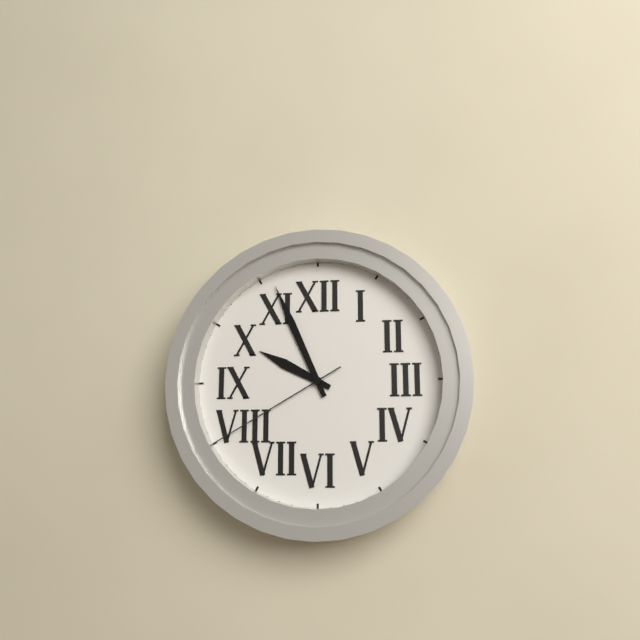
9.56.40
